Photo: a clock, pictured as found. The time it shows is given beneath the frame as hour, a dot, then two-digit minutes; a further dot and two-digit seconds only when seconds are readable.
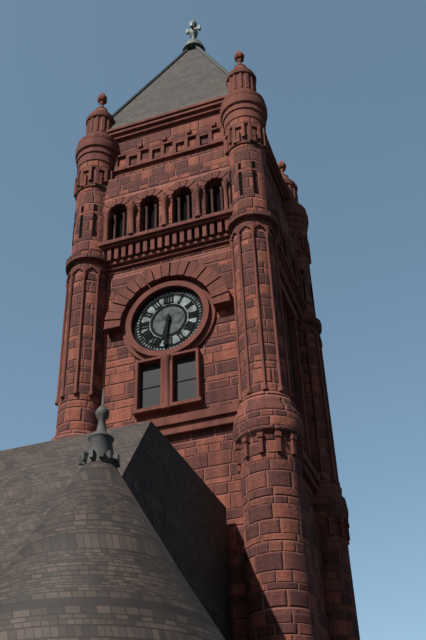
6.31
